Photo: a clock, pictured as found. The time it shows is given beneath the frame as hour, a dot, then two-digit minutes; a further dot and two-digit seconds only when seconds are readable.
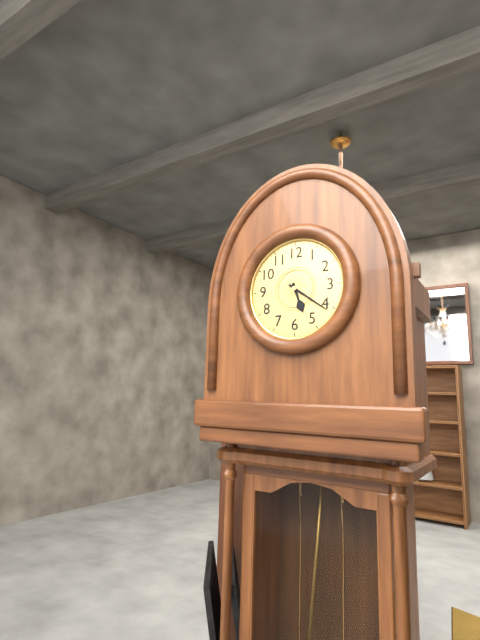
5.21
